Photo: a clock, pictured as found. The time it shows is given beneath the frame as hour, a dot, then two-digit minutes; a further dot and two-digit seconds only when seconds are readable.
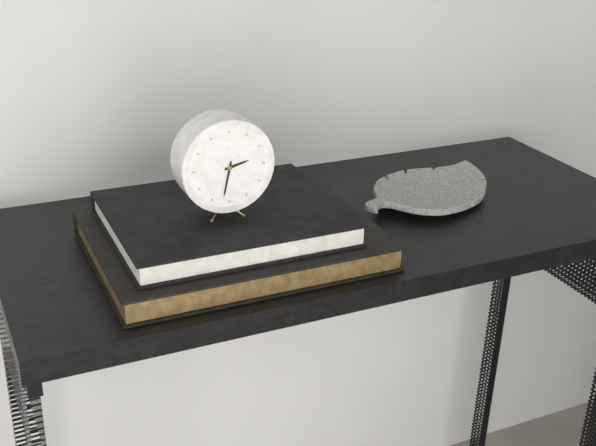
2.32
